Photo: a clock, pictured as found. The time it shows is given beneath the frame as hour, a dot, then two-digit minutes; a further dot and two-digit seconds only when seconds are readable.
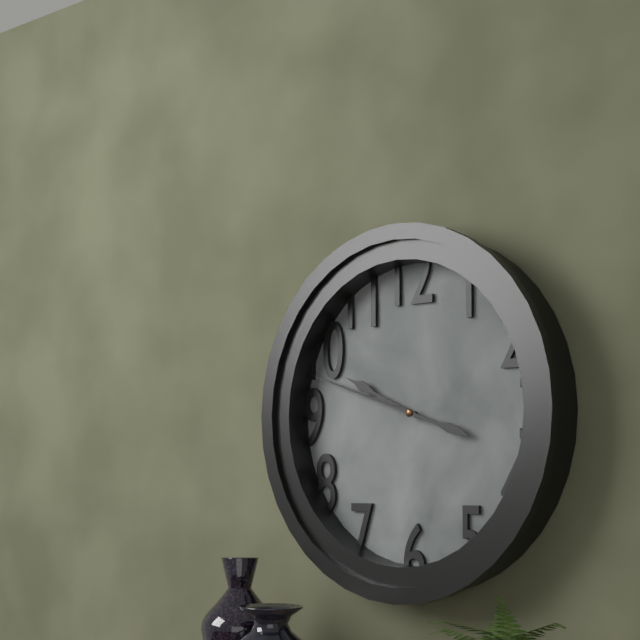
9.48
